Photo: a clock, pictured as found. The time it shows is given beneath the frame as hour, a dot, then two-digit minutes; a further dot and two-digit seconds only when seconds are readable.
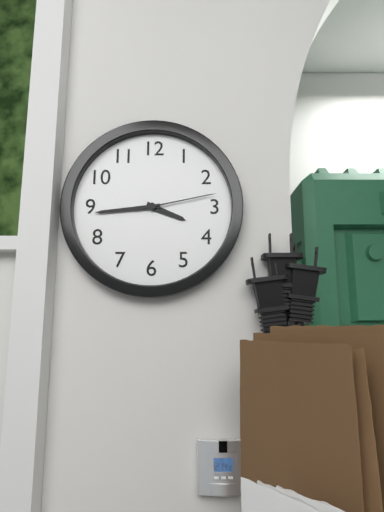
3.44.13
